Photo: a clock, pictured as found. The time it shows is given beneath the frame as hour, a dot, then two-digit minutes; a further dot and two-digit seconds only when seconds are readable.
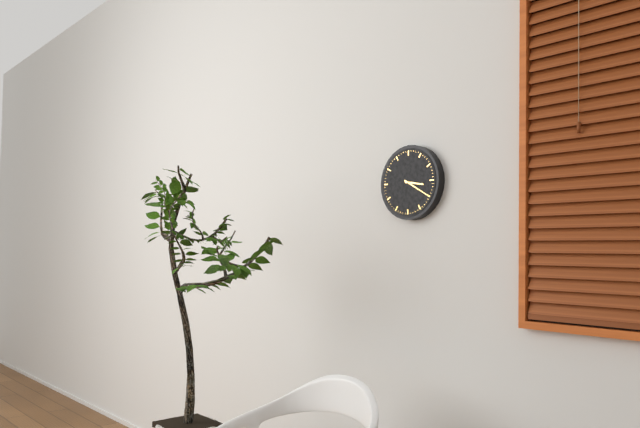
3.20
